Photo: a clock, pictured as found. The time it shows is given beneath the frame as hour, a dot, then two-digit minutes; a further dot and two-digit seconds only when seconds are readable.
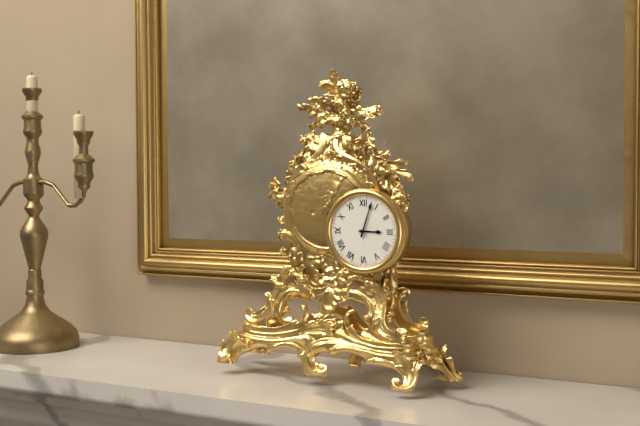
3.03
